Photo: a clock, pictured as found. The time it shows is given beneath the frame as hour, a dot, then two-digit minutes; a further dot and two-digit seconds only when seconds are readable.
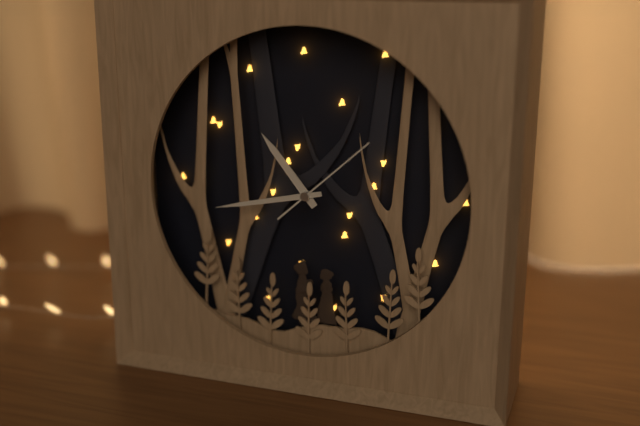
10.43.08
